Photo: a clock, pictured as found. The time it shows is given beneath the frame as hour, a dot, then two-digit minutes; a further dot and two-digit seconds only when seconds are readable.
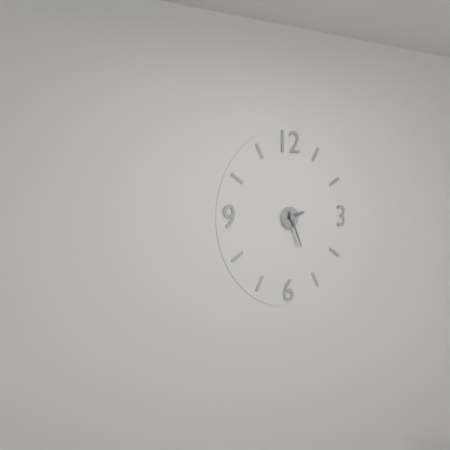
2.26
